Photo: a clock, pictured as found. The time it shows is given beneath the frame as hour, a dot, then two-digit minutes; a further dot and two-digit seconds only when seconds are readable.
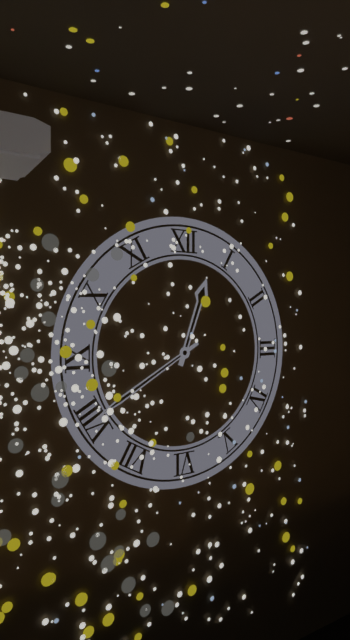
12.40
